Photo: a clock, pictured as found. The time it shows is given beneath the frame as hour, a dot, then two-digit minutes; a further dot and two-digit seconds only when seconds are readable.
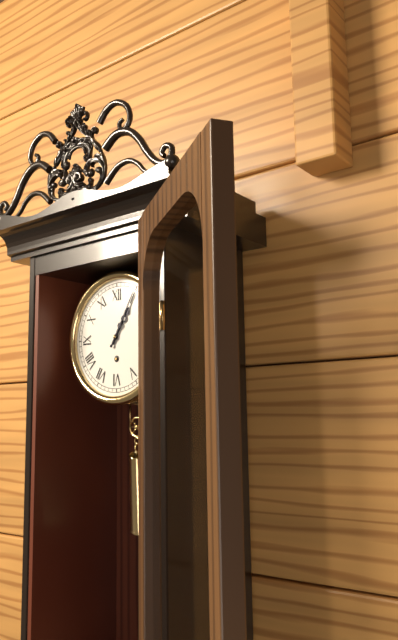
1.05
